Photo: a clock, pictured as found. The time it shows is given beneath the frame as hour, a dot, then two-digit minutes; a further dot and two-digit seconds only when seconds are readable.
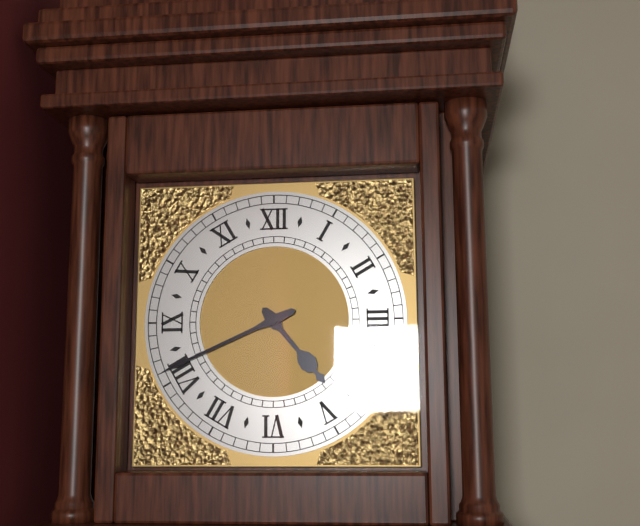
4.41
